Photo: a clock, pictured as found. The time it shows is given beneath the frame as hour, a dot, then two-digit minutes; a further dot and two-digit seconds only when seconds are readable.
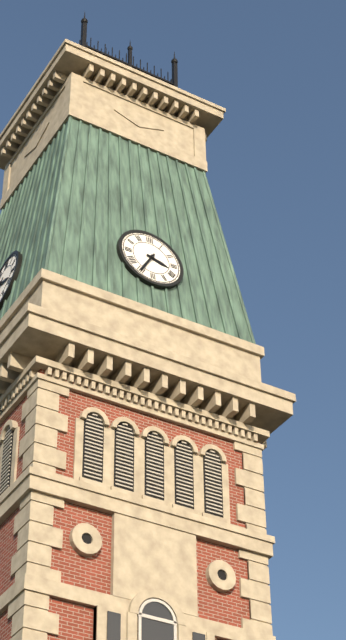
3.35
